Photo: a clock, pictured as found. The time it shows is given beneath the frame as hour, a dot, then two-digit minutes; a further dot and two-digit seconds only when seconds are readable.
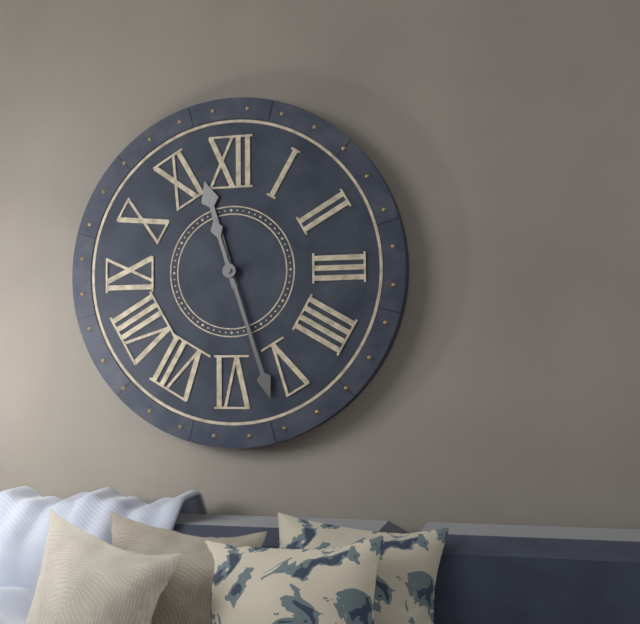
11.27
